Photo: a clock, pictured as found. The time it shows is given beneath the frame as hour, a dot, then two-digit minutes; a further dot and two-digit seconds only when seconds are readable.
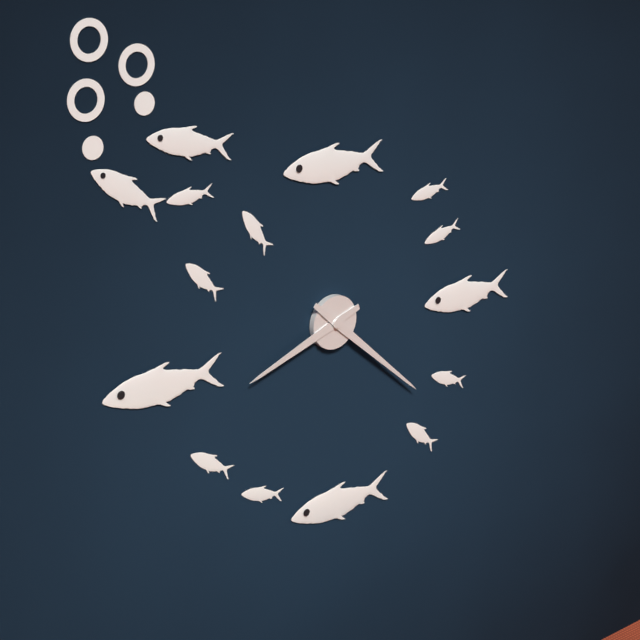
8.22
